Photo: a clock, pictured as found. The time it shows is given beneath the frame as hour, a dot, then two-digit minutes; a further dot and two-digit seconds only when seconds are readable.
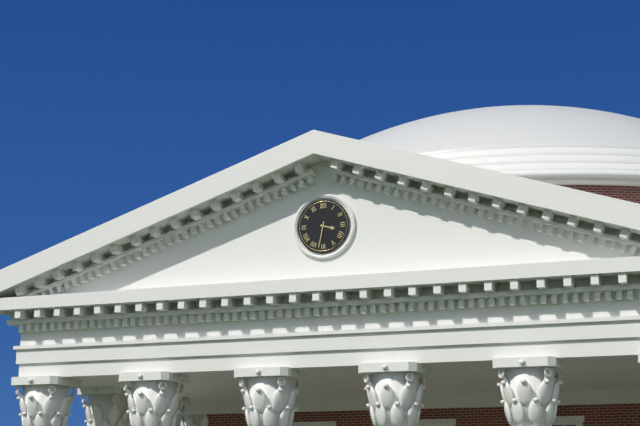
3.32
